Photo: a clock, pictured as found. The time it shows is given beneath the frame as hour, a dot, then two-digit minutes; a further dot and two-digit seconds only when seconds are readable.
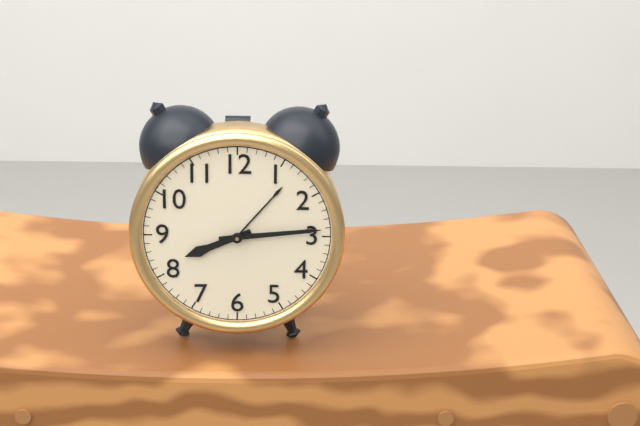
8.14
